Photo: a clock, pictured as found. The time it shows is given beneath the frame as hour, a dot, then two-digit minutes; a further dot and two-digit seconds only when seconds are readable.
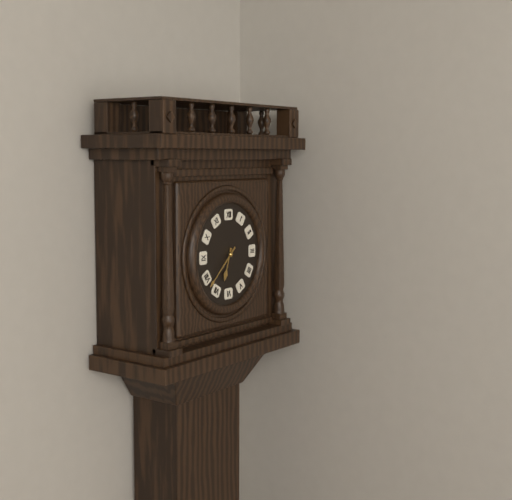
6.38
